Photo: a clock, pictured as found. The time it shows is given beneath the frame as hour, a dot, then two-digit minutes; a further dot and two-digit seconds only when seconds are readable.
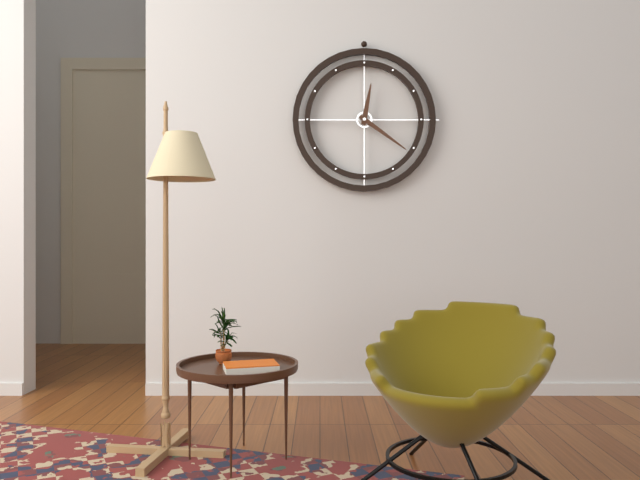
12.21
